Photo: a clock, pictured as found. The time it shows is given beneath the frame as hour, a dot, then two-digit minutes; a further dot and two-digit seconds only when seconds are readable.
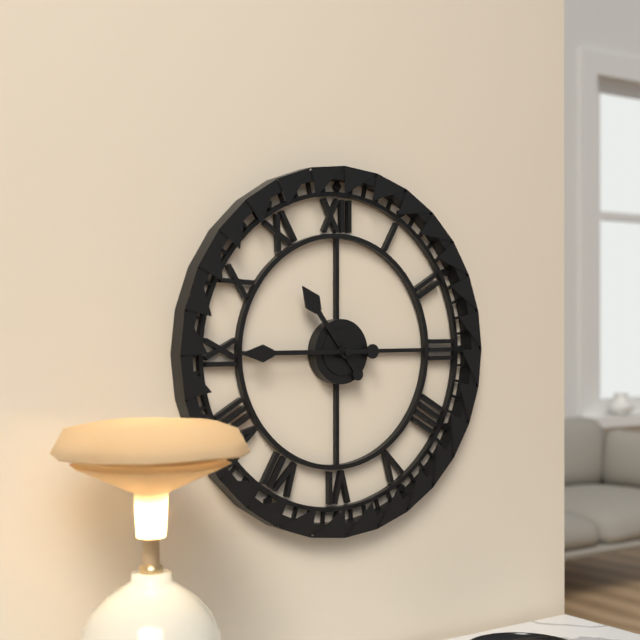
10.45
